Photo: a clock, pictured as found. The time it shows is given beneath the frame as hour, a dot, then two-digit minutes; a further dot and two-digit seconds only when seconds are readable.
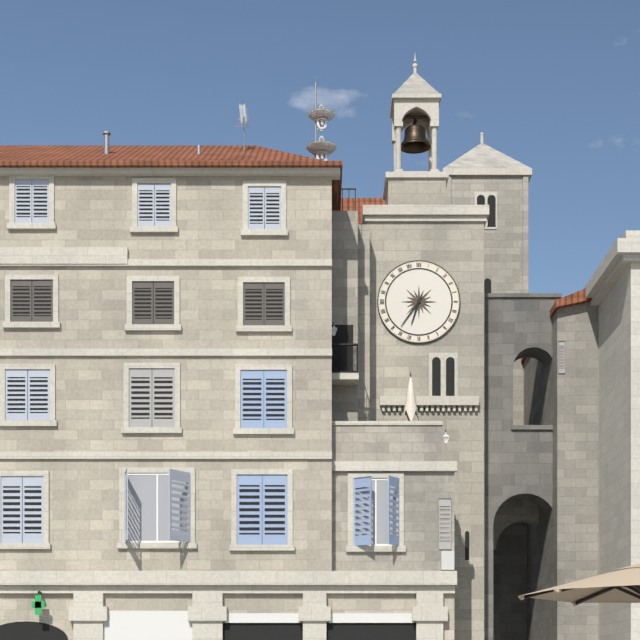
6.36
